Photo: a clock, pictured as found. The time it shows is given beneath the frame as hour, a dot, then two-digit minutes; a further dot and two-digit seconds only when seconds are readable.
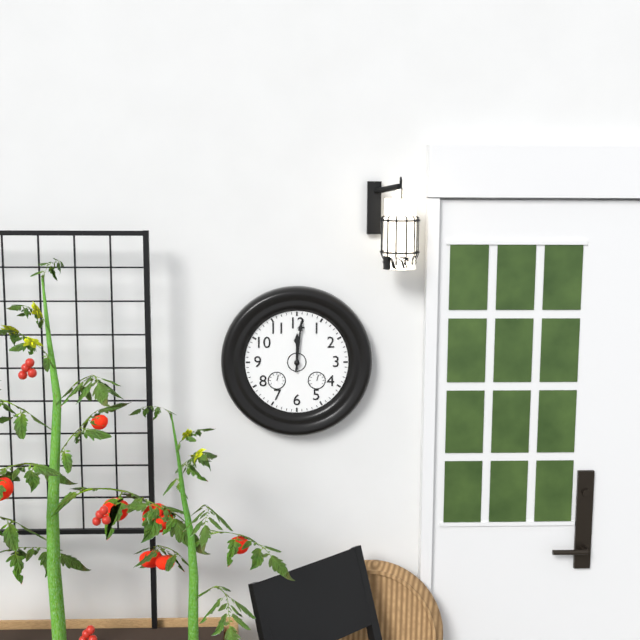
12.01
